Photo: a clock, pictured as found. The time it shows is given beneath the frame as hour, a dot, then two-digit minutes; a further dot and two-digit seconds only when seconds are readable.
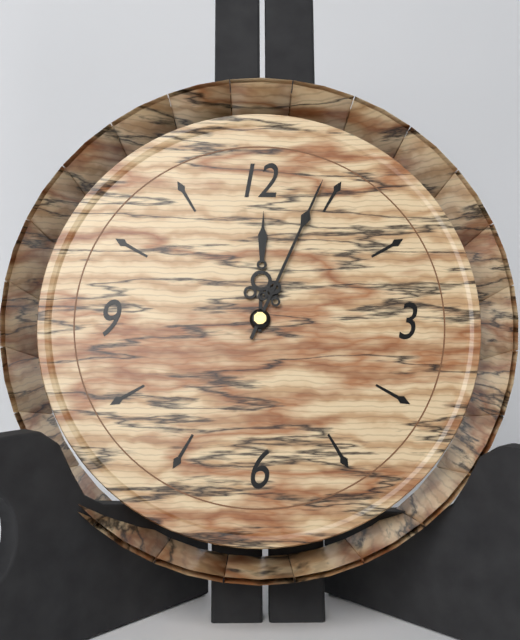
12.04
